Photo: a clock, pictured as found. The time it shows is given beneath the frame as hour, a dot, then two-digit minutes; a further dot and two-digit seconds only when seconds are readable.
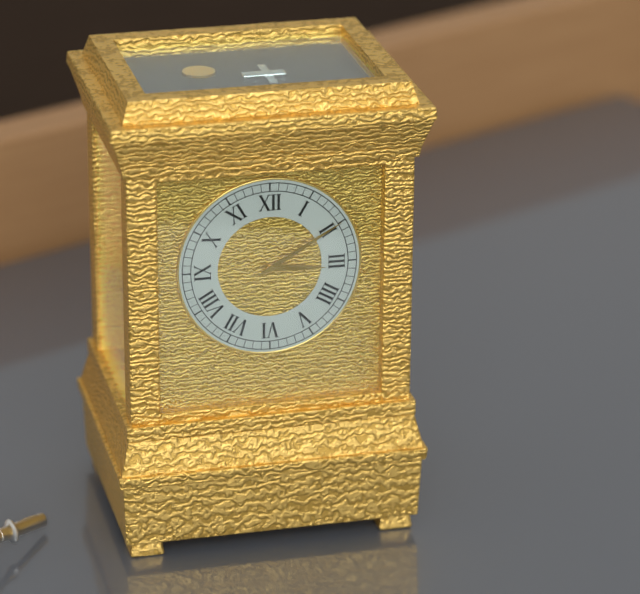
3.10
